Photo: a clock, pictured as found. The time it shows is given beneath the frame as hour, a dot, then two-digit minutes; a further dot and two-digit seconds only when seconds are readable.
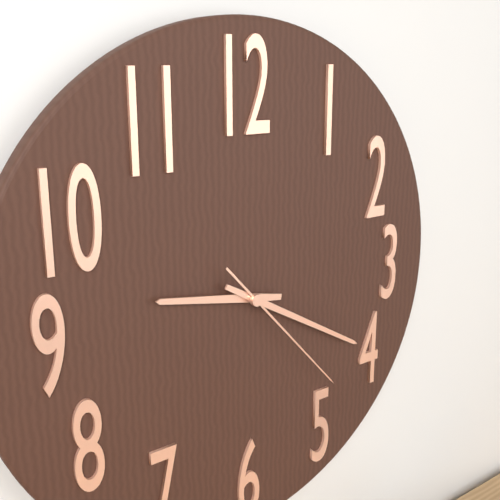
9.20.23
